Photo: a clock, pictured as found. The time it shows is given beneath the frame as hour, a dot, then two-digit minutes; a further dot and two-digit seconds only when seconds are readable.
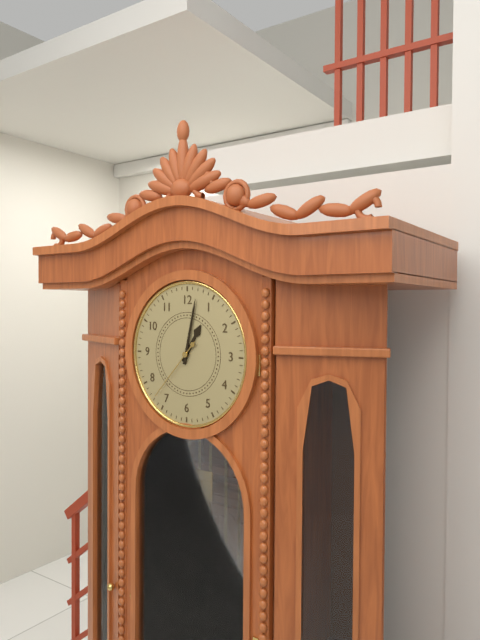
1.02.37
